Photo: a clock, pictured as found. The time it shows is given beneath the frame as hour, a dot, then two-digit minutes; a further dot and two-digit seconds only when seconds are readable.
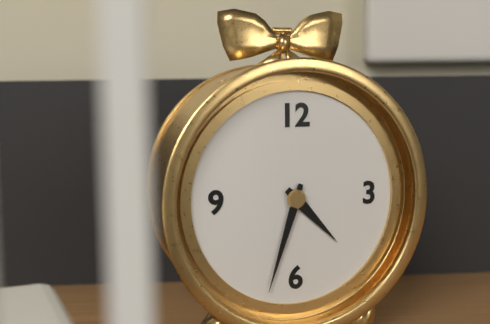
4.33
